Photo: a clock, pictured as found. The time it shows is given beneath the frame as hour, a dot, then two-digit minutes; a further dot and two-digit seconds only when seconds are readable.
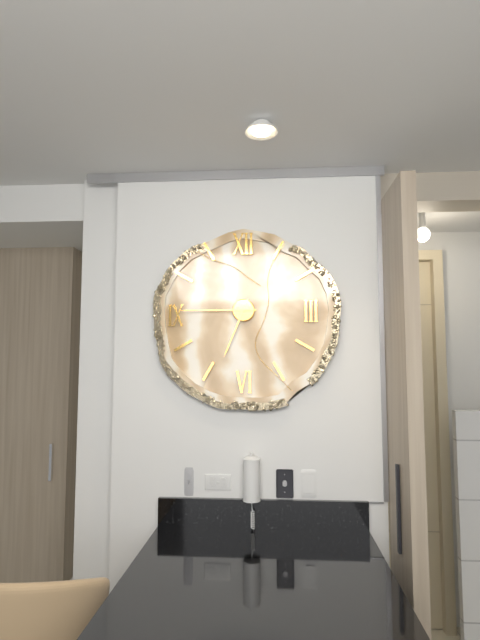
6.45
